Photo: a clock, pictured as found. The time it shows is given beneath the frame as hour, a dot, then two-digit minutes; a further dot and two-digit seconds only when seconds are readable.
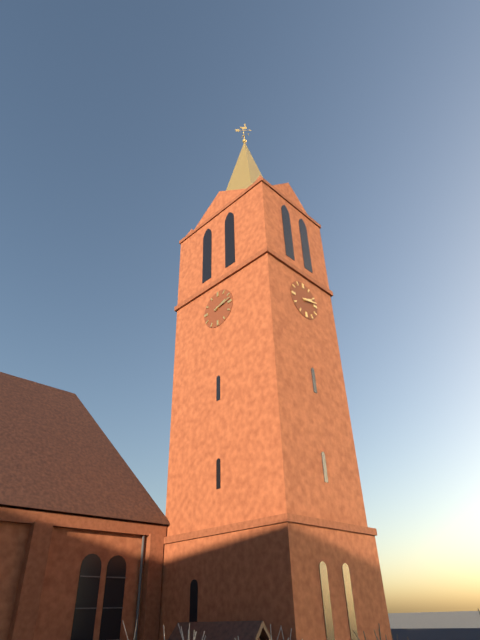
2.13
